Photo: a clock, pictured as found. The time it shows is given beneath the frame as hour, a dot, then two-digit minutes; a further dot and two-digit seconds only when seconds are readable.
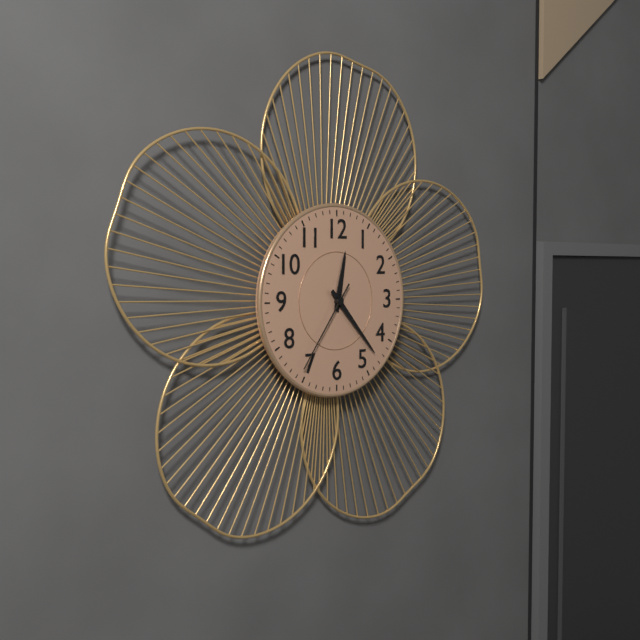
12.23.36
